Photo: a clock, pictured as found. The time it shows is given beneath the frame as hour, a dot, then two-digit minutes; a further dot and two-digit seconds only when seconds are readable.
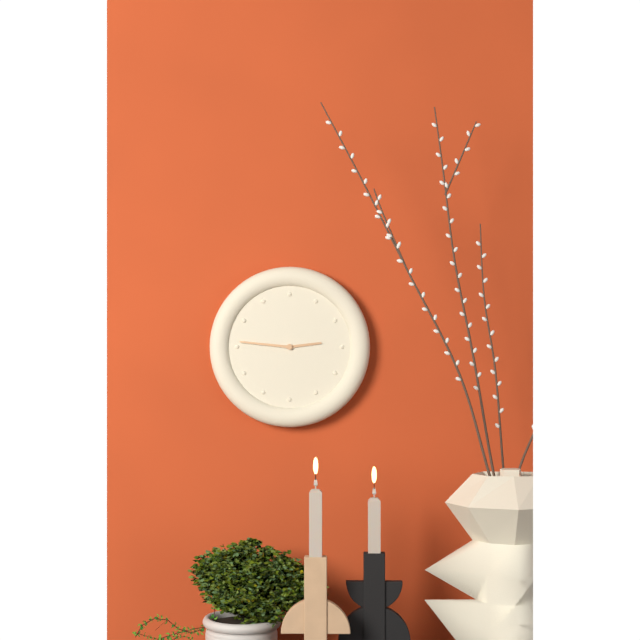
2.46
